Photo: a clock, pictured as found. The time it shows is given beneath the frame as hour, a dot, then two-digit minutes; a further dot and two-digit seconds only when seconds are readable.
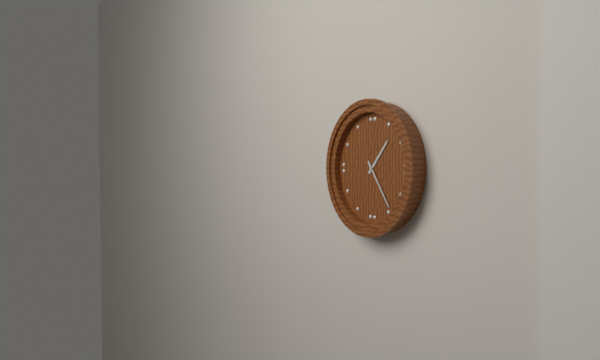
1.24
